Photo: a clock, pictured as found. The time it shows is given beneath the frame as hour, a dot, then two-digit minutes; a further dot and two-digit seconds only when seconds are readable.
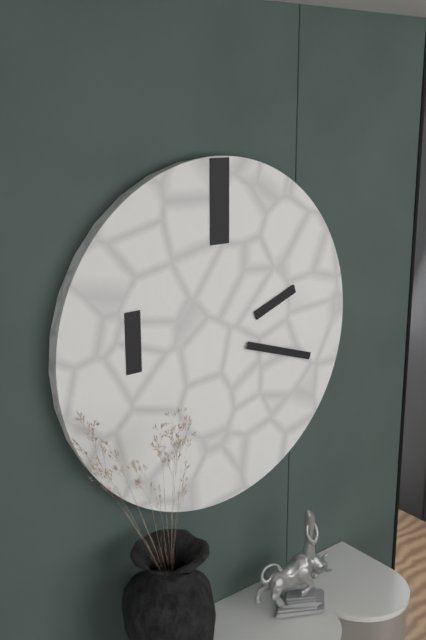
2.18
